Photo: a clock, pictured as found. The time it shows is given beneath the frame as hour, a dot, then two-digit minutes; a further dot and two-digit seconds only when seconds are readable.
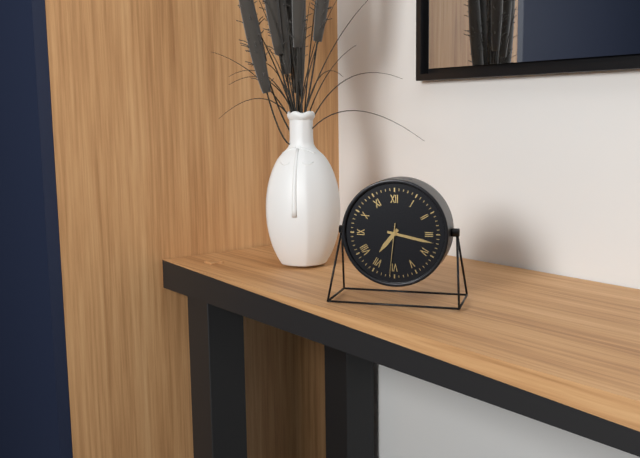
7.17.31
